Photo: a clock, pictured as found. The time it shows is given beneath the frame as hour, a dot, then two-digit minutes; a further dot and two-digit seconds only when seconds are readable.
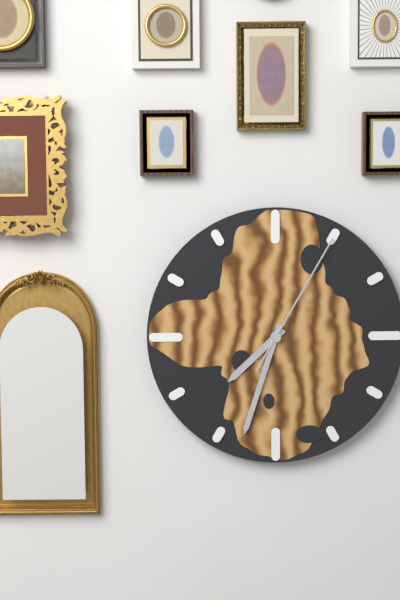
7.33.05
